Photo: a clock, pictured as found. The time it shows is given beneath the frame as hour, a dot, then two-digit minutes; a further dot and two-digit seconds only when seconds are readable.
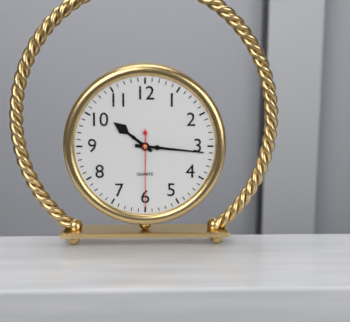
10.16.30
